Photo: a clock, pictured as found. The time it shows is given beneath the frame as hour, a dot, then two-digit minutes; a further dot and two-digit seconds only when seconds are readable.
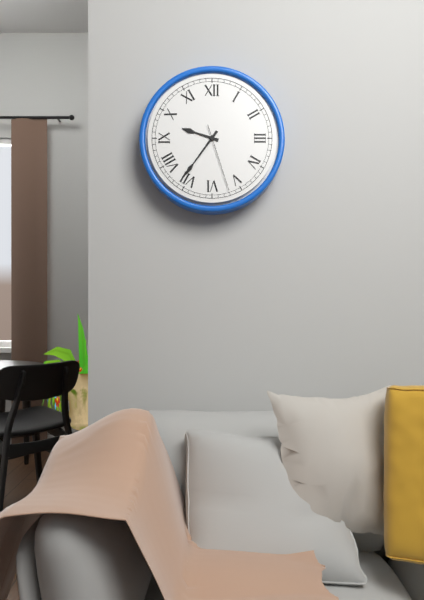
9.36.27
